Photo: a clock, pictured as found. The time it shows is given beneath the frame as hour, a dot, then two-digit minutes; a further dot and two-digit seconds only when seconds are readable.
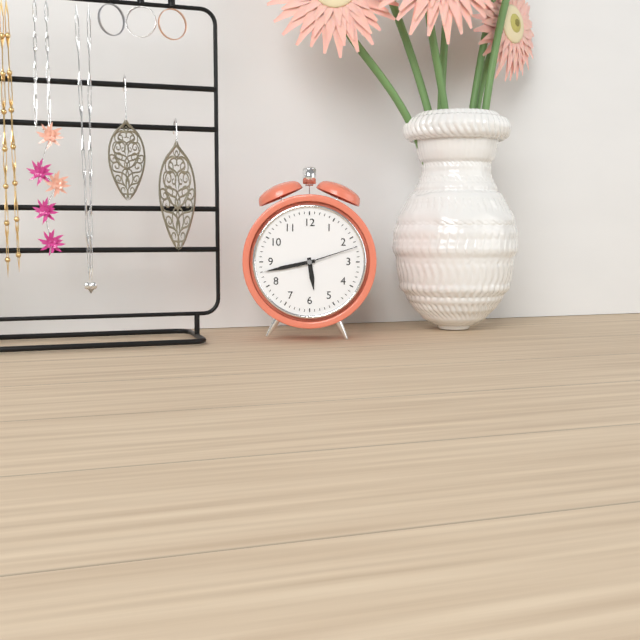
5.43.12
